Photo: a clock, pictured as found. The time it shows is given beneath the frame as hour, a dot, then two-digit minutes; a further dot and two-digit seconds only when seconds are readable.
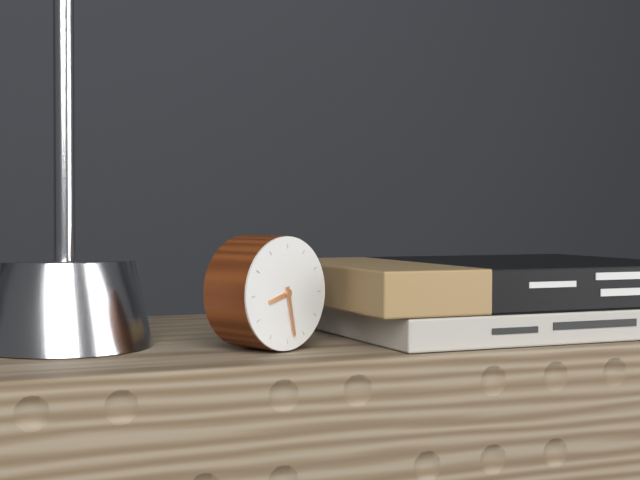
8.28
